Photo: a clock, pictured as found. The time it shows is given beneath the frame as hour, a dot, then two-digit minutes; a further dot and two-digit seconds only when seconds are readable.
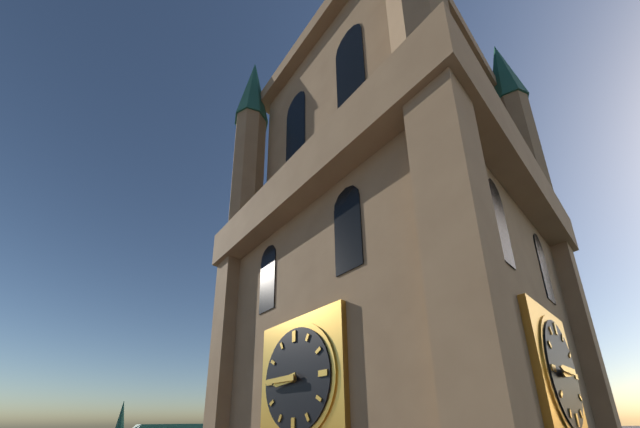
8.45
